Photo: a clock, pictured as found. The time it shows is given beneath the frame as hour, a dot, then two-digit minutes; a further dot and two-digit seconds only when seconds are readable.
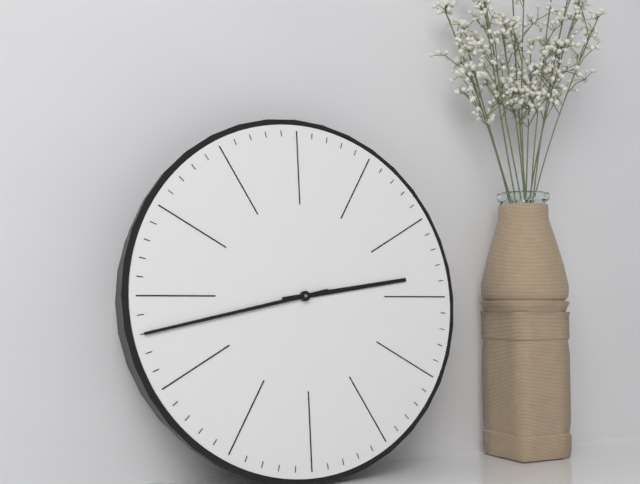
2.43
